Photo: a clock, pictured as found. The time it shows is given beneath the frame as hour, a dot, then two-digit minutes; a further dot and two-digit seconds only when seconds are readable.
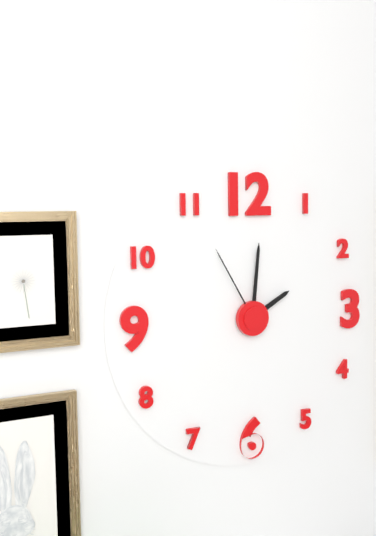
2.01.55
